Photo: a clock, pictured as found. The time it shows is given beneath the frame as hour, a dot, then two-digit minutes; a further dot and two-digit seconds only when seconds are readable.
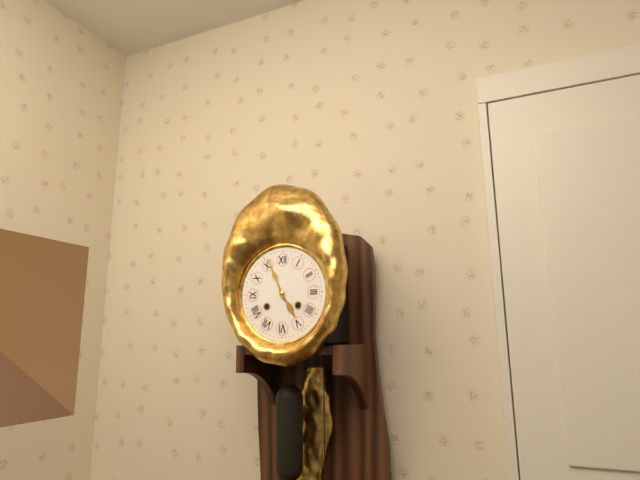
4.56
